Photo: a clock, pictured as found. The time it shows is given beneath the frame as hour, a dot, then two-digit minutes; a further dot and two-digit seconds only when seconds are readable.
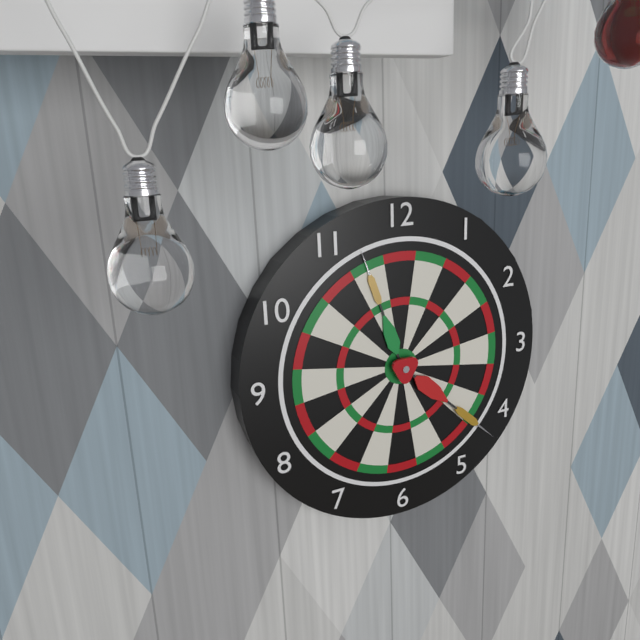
11.22
